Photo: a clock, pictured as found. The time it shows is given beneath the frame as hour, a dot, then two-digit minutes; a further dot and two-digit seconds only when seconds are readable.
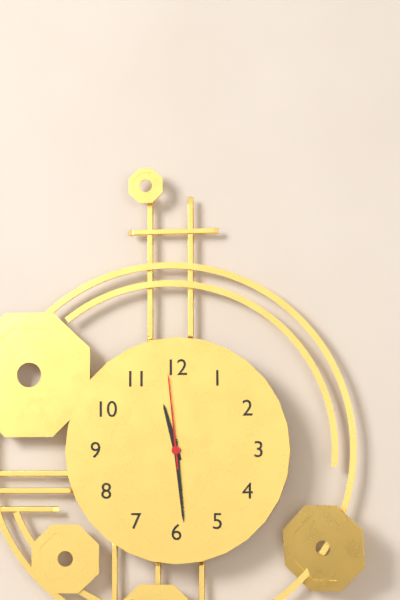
11.29.59
